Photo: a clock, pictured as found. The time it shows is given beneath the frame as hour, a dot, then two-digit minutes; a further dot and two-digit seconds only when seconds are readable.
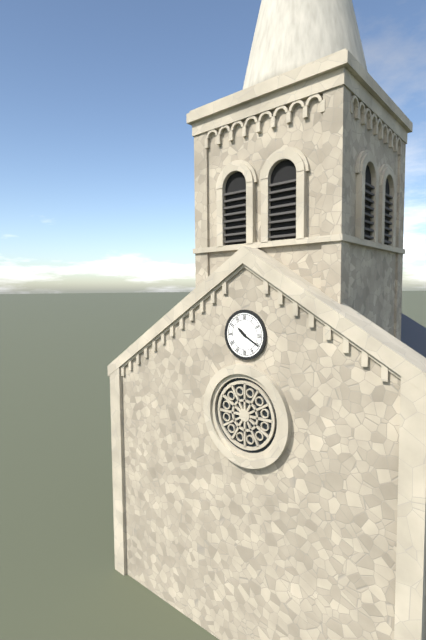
10.20
